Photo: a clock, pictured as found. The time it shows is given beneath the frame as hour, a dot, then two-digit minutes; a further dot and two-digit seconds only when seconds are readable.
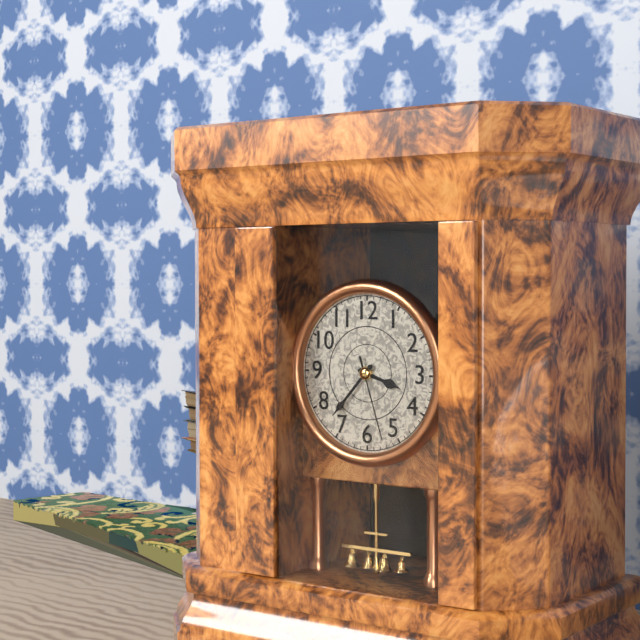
3.37.27
